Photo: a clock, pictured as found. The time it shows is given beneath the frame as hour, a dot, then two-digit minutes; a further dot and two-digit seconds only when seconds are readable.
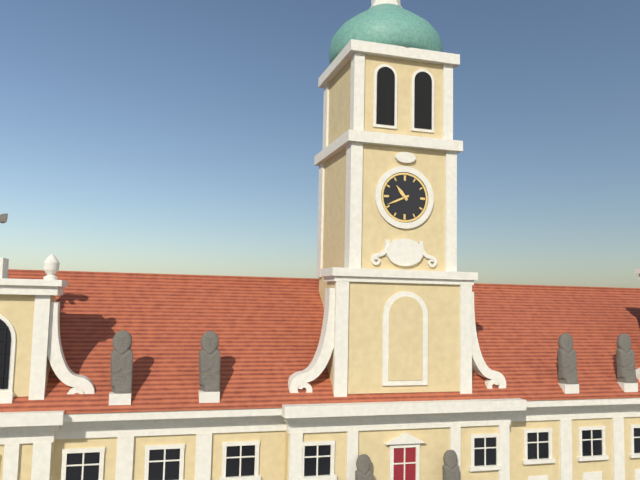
10.41
